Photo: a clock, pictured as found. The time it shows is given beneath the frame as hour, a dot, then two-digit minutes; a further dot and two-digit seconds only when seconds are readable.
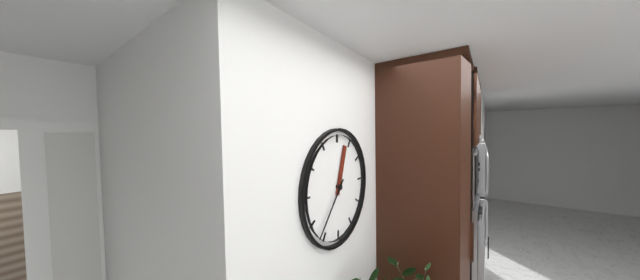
12.37
